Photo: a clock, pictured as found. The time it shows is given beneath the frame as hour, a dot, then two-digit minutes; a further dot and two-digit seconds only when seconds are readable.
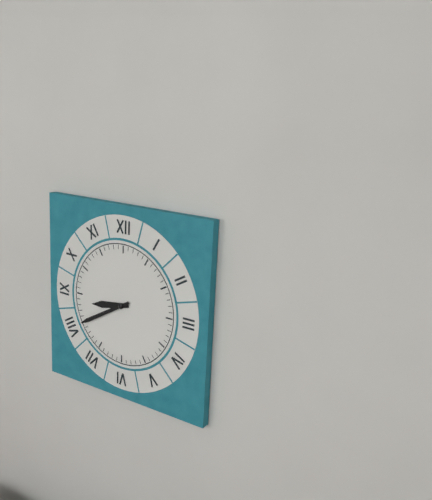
8.40
